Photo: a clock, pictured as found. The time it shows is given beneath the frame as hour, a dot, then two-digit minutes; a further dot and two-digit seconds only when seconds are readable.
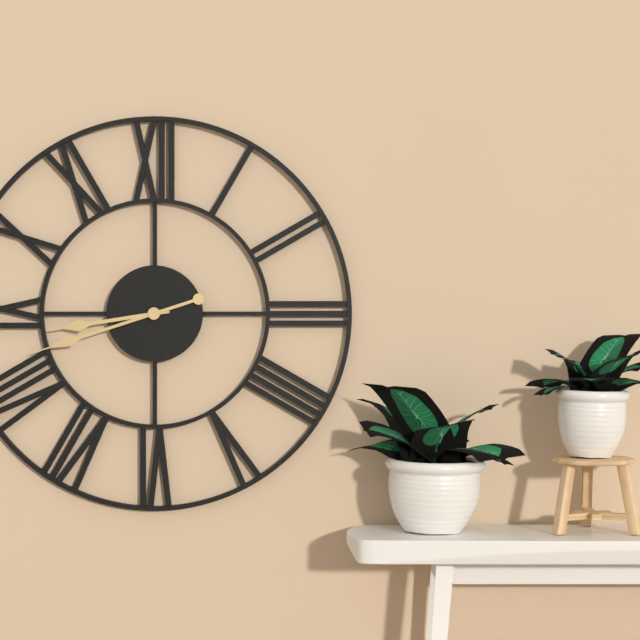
8.42
